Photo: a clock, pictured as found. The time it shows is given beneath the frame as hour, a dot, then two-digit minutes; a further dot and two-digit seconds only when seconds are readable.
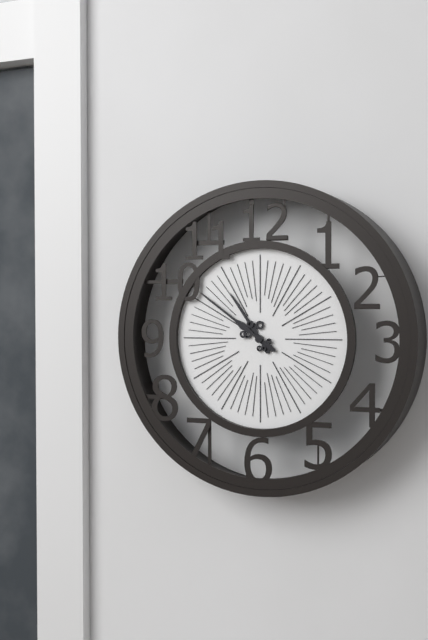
10.51
